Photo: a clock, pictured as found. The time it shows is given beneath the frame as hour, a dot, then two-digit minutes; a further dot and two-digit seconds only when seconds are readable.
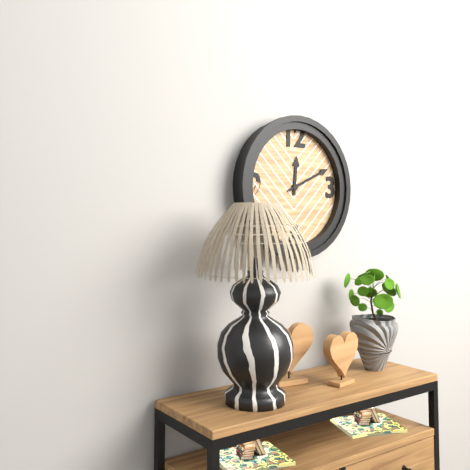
12.11
